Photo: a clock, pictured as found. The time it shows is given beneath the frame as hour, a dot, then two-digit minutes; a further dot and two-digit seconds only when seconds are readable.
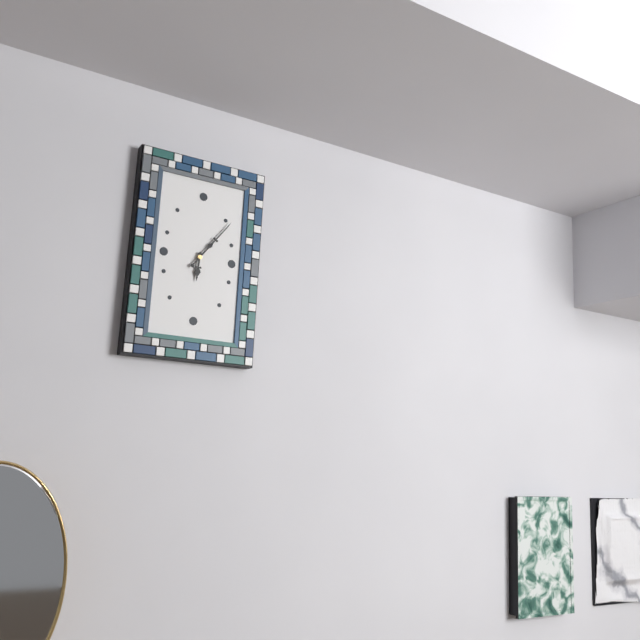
6.06
